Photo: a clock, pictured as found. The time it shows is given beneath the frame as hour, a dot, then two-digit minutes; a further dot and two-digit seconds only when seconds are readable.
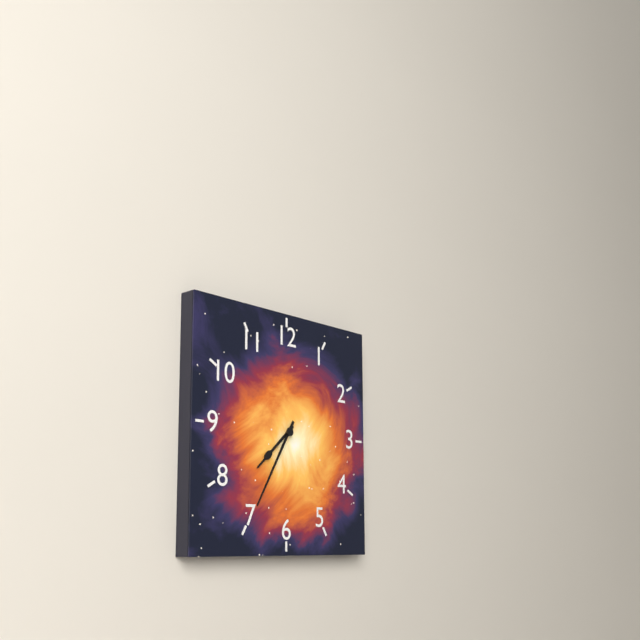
7.35
